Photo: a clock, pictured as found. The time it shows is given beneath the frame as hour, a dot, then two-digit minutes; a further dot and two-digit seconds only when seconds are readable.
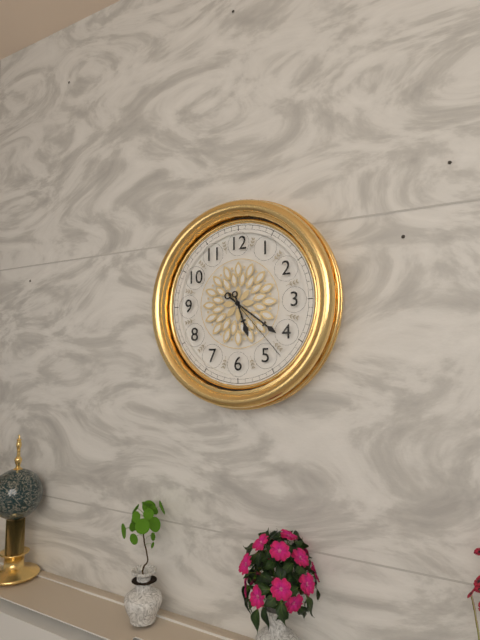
5.21.23
